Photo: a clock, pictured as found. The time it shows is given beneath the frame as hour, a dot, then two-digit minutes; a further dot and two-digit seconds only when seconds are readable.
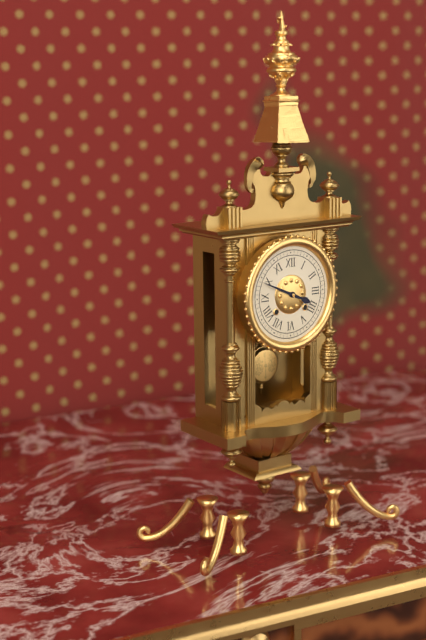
3.49
